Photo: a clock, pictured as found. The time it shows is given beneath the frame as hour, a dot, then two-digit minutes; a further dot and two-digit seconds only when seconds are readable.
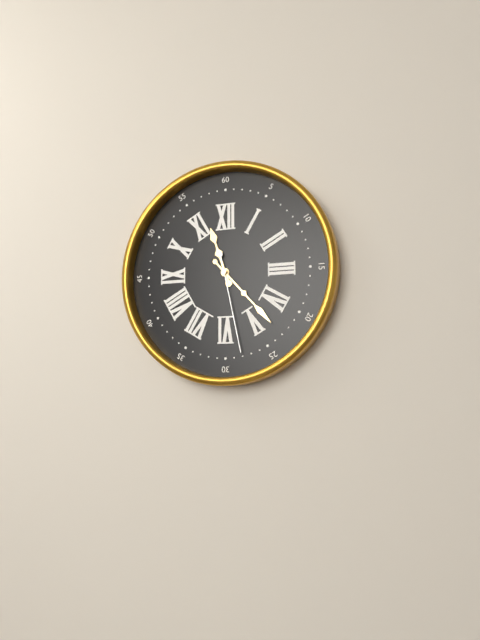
11.23.28
